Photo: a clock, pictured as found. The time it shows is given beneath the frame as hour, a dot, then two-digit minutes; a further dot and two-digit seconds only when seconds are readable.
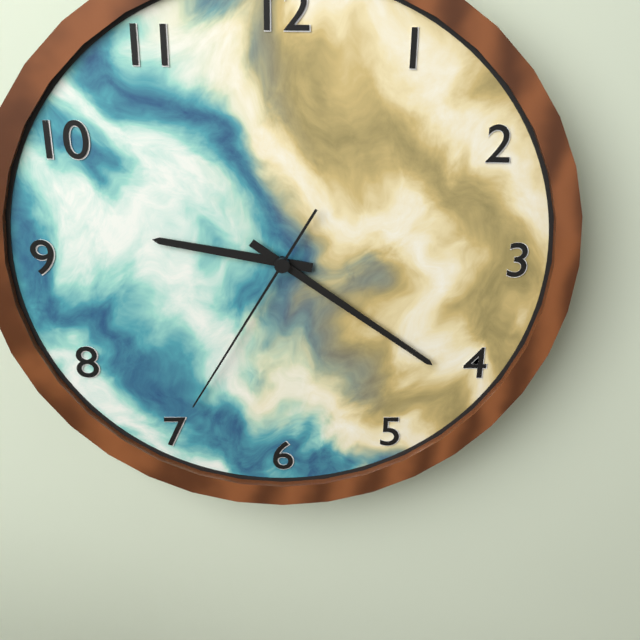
9.21.35
